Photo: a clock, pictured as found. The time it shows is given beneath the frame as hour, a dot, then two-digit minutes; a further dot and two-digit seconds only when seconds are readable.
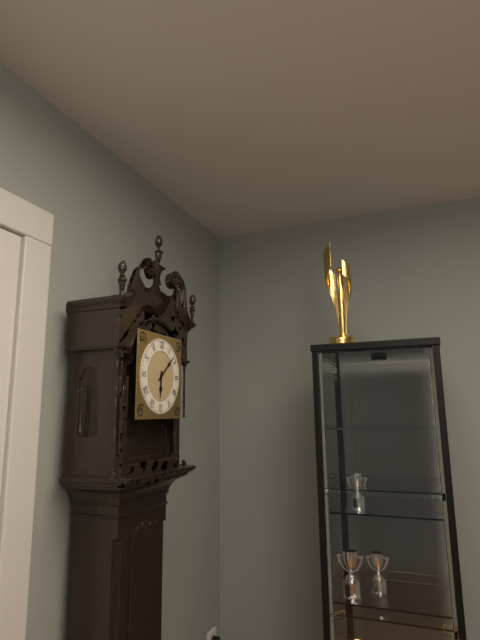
6.08
